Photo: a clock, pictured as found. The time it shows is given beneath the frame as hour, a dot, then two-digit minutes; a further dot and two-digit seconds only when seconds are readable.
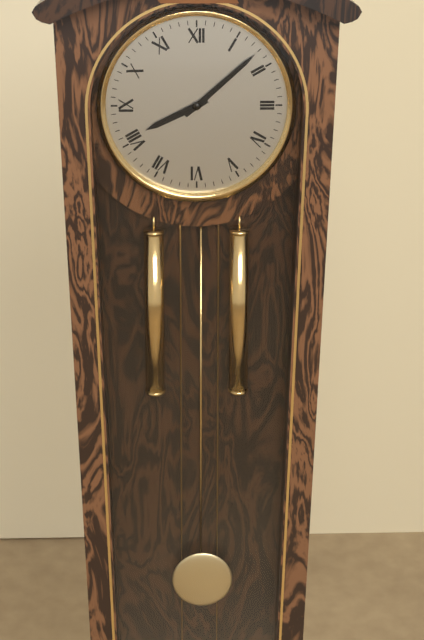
8.08
